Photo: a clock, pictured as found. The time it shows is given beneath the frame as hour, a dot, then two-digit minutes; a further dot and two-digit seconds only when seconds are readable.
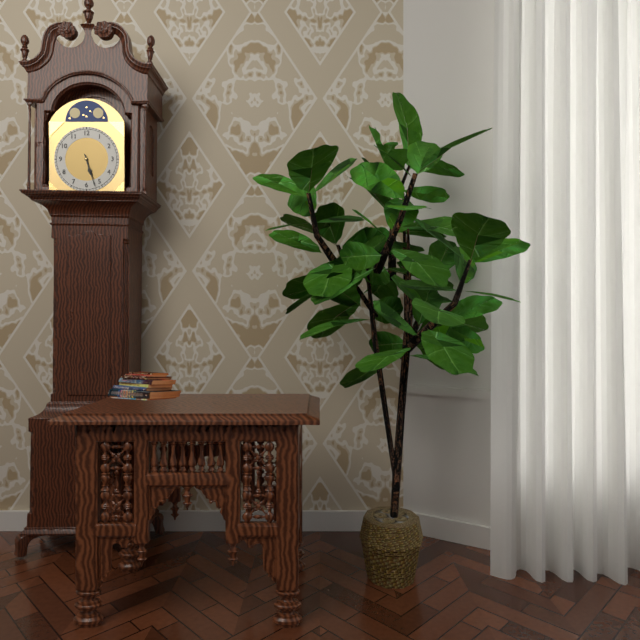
5.27
